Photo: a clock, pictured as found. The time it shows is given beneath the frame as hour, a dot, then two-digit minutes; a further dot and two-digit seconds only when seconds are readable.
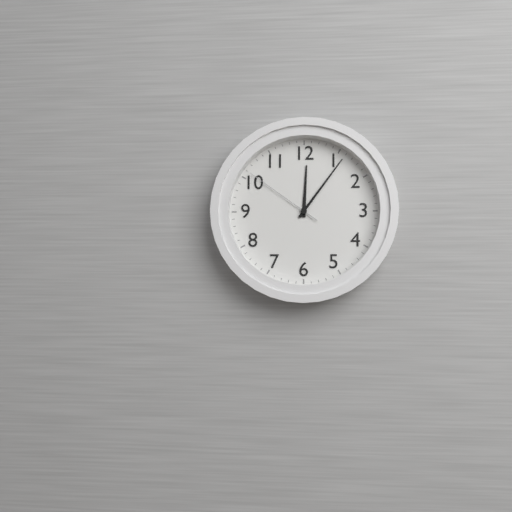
12.06.51
